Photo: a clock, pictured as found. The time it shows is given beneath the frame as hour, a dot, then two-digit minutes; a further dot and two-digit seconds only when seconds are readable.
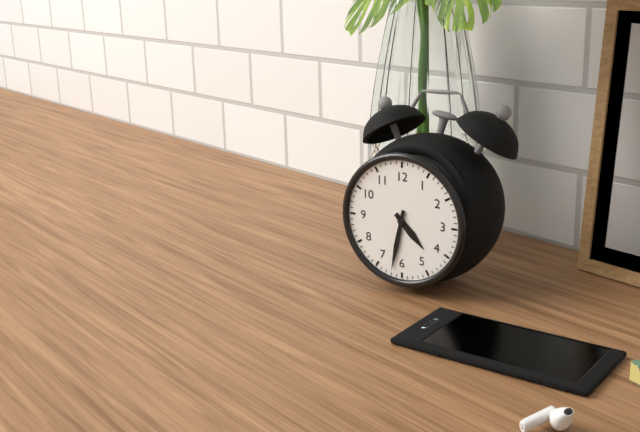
4.32
